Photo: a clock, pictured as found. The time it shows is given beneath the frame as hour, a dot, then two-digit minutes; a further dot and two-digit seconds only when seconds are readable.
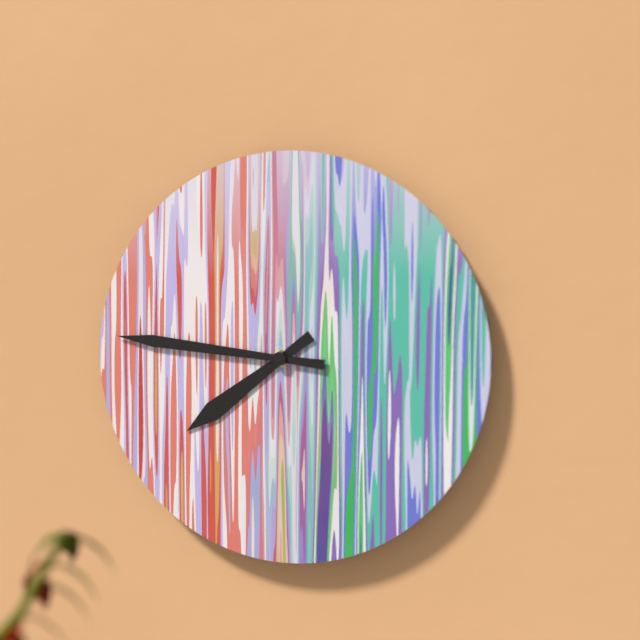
7.46
